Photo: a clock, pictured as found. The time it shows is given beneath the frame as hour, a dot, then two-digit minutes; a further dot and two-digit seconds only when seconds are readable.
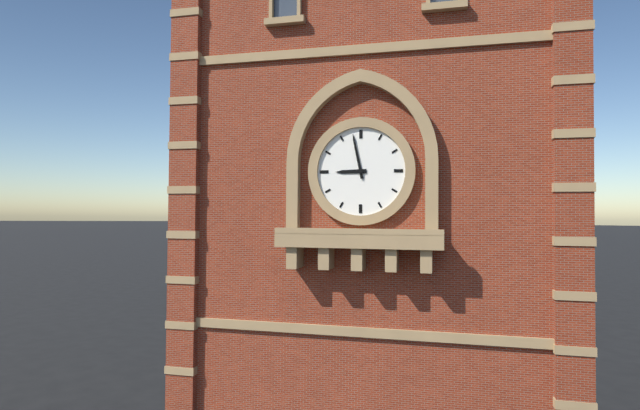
8.58
